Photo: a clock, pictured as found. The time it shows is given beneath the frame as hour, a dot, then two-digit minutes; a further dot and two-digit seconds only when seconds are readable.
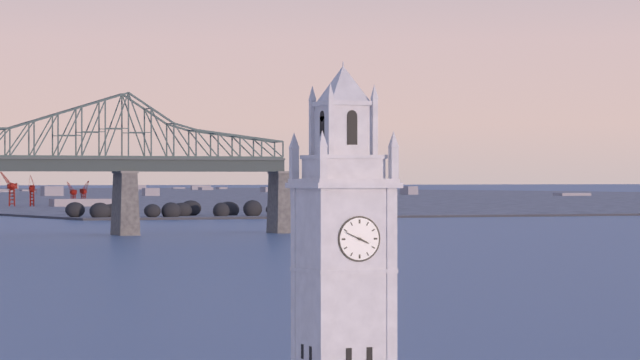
3.49
